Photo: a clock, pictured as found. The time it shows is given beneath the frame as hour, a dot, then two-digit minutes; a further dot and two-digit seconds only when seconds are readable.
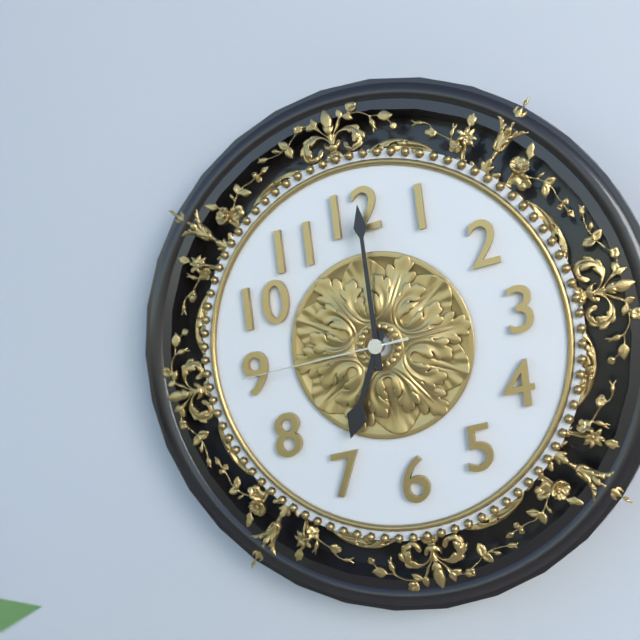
7.01.45
